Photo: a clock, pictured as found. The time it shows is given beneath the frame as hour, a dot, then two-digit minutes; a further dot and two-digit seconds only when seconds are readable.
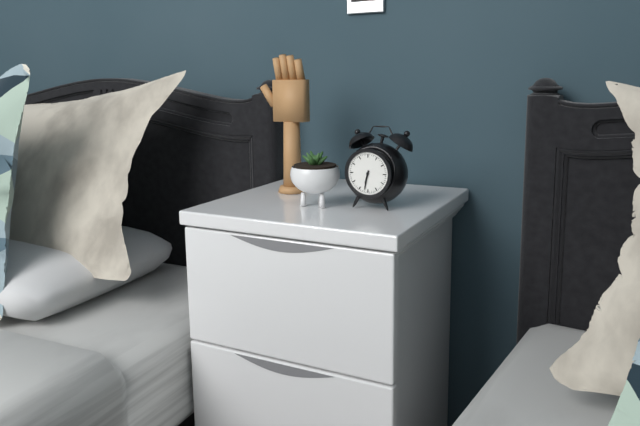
6.32
